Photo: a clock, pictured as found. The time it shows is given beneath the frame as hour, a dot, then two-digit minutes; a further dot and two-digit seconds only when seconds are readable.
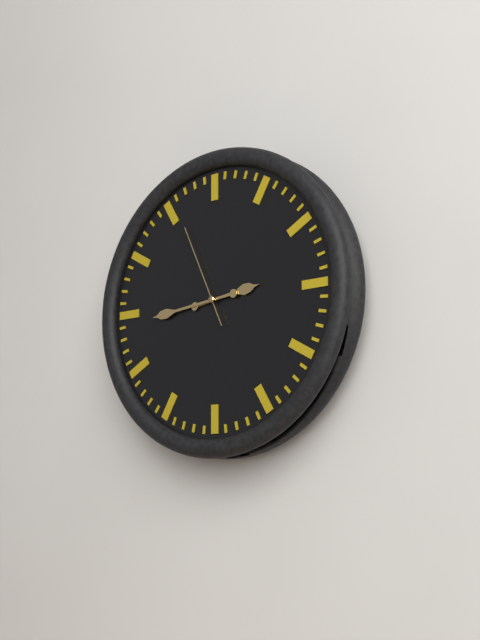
2.44.56
